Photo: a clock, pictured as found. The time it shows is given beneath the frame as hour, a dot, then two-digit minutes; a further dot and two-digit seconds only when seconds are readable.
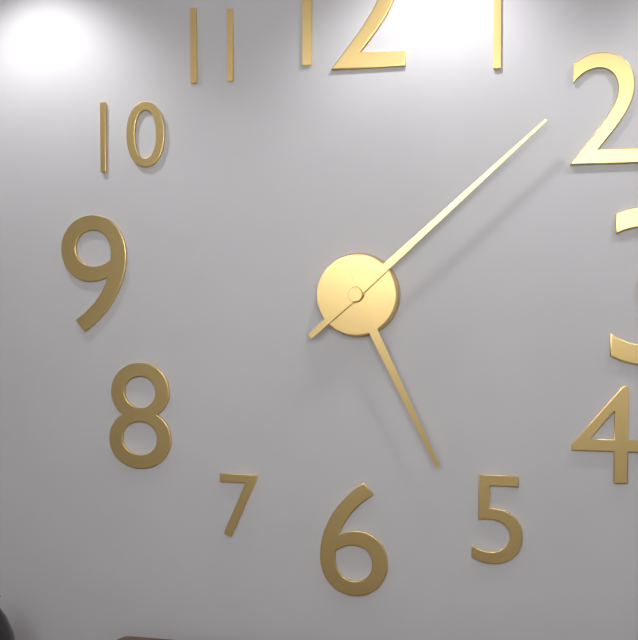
5.08
